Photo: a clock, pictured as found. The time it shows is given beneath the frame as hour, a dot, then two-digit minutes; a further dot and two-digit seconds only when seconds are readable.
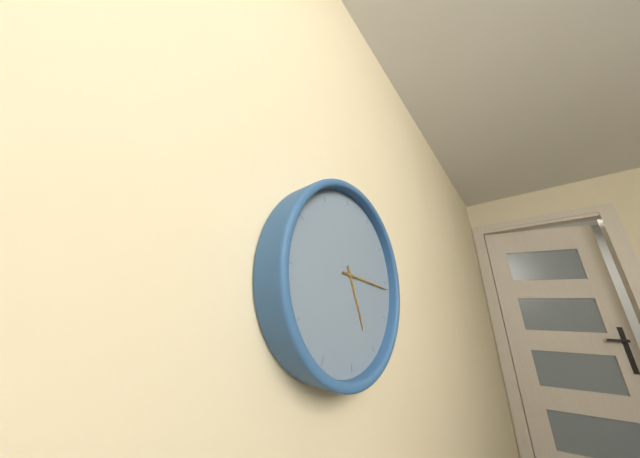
5.16
